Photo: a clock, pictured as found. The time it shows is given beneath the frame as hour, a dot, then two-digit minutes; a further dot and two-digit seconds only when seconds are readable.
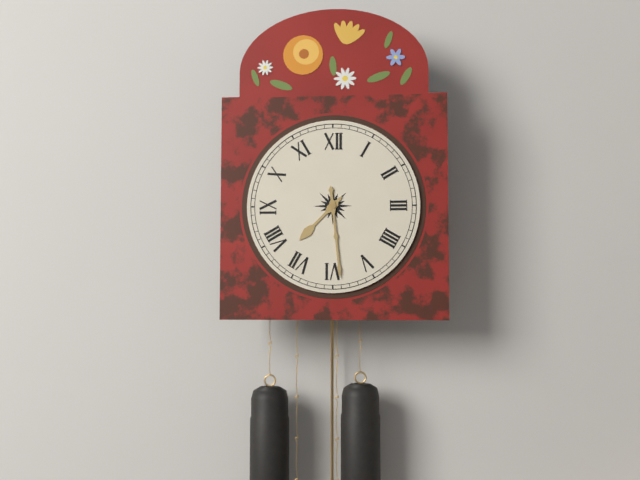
7.29
